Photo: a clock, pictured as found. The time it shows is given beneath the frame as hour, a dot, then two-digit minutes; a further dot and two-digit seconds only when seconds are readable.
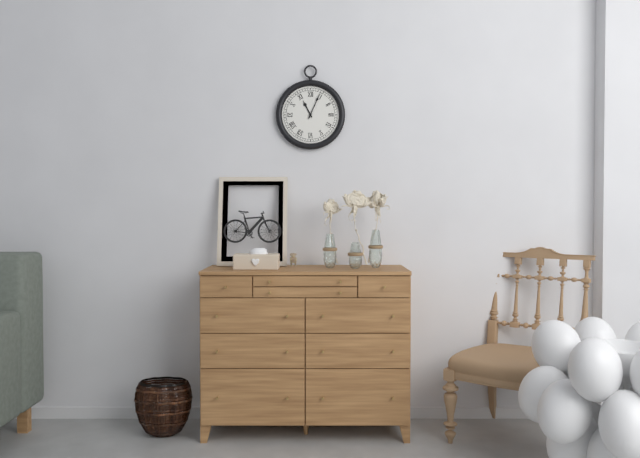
11.04
